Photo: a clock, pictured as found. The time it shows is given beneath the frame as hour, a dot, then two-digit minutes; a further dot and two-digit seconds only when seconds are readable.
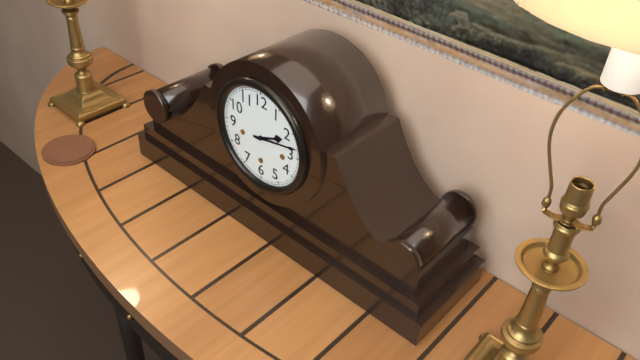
2.13
